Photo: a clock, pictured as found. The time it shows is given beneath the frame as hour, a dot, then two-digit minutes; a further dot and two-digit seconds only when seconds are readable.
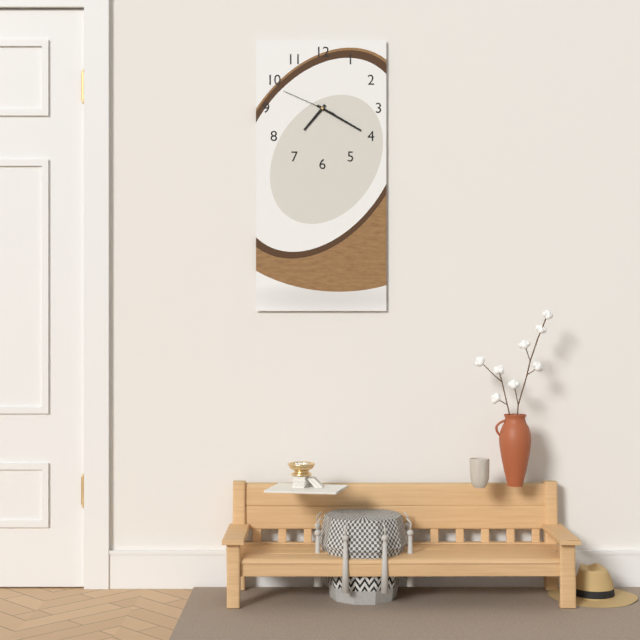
7.20.49
